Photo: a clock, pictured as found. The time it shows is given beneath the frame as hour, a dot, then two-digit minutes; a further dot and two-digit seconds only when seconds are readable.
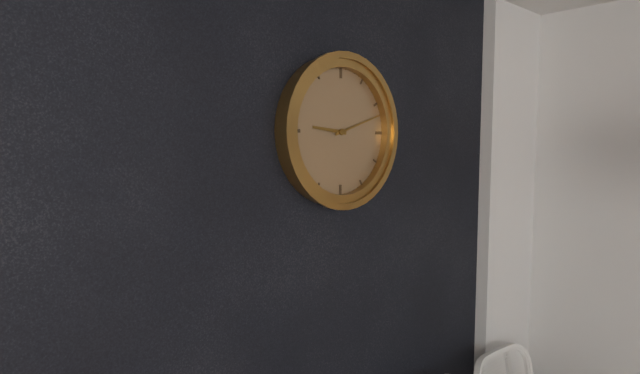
9.12
